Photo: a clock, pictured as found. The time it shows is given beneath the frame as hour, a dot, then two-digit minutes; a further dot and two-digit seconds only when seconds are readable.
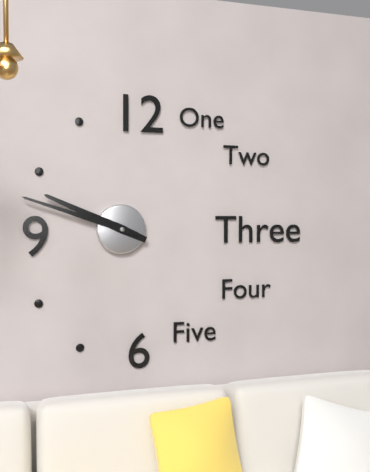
9.48
